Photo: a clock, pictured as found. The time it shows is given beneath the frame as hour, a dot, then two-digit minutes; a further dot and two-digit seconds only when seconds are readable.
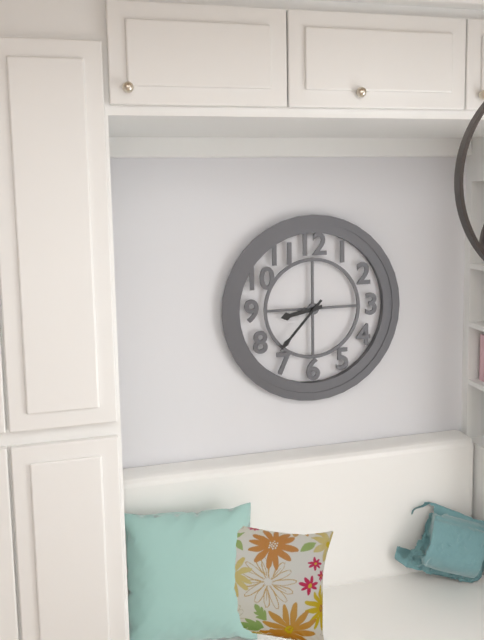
8.37
